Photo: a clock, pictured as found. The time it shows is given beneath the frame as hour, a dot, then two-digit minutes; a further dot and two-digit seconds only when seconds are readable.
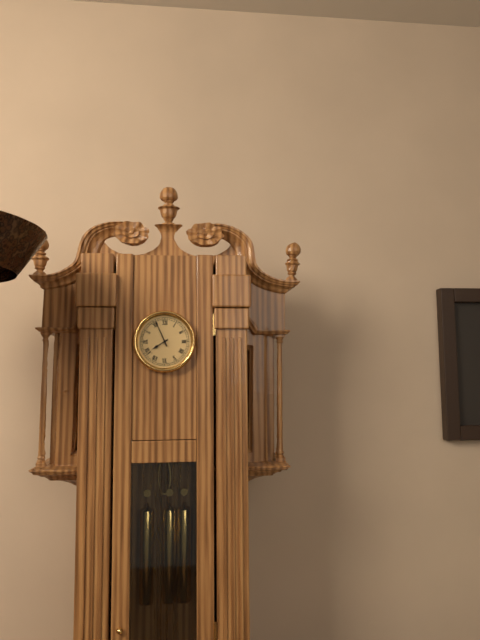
7.56
